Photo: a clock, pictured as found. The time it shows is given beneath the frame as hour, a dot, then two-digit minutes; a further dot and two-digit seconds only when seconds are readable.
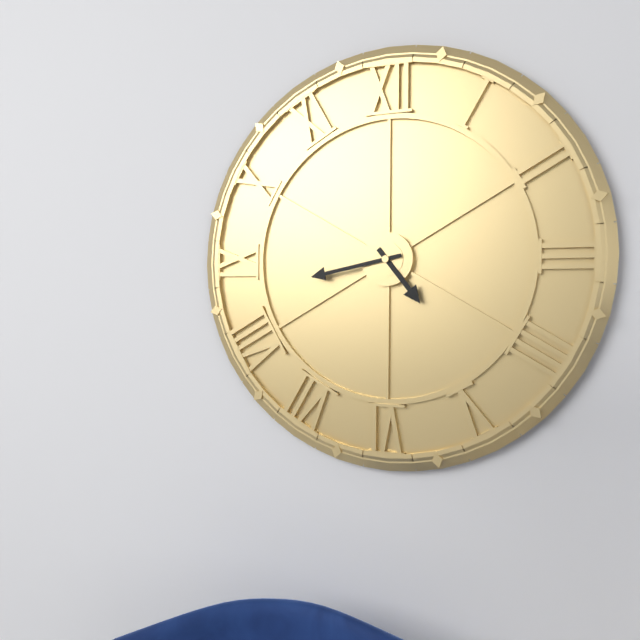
4.43
